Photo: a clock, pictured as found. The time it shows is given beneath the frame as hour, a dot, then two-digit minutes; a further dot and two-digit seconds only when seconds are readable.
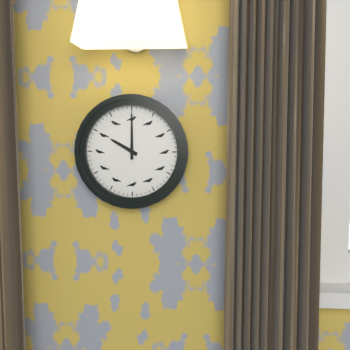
10.00
